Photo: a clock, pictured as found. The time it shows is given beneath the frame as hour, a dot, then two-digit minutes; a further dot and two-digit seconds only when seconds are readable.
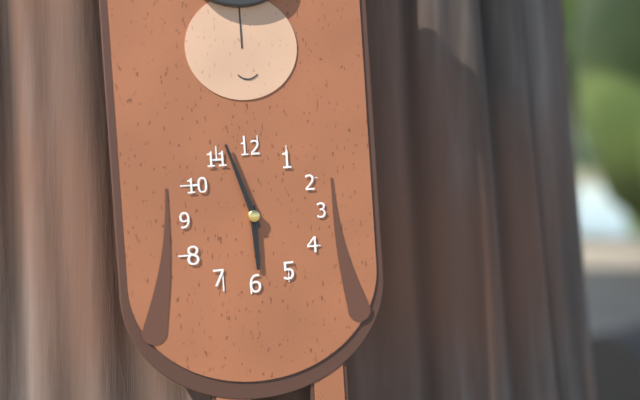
5.57
